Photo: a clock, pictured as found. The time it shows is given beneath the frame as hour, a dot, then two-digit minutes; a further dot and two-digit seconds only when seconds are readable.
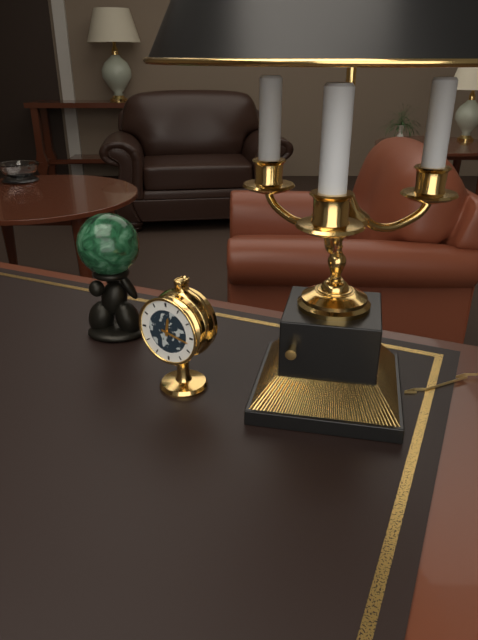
12.17
